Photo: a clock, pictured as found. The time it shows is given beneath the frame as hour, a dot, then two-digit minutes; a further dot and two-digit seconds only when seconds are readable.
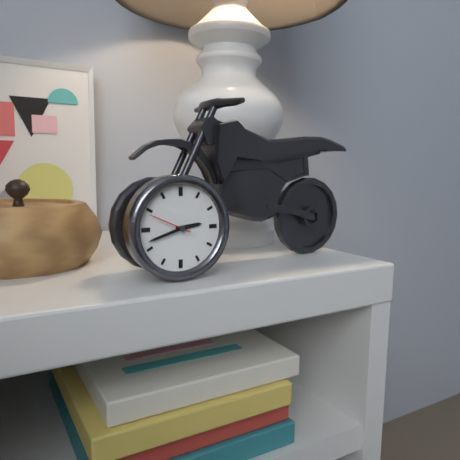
2.42
